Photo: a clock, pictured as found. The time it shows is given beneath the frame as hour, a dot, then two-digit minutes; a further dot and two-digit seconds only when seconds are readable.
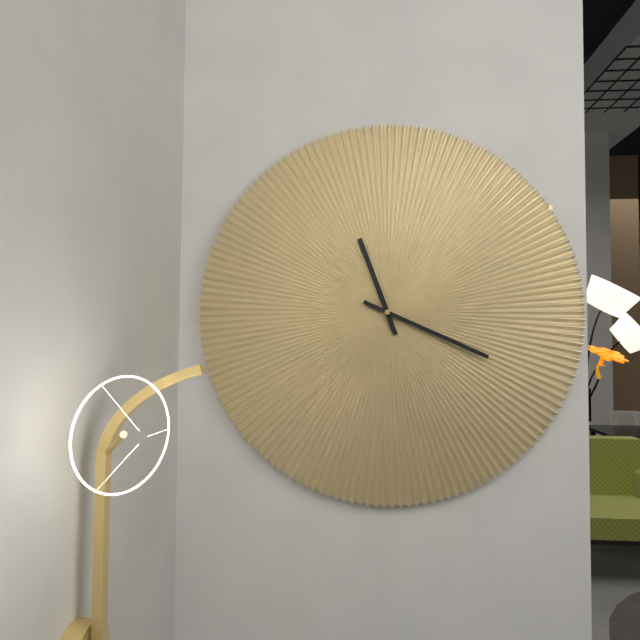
11.19
